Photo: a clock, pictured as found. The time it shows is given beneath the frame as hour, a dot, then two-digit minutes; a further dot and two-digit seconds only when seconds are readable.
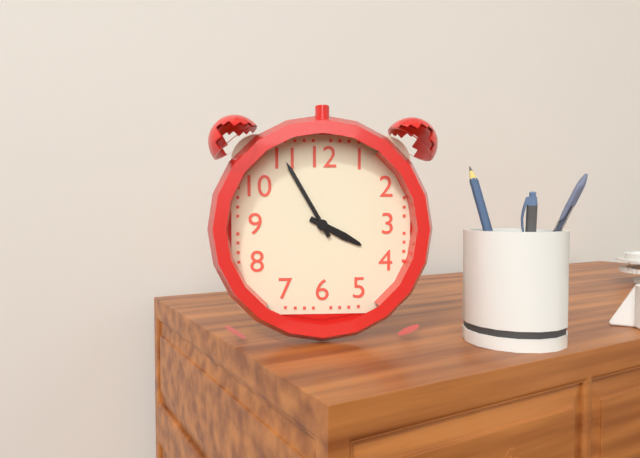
3.55
